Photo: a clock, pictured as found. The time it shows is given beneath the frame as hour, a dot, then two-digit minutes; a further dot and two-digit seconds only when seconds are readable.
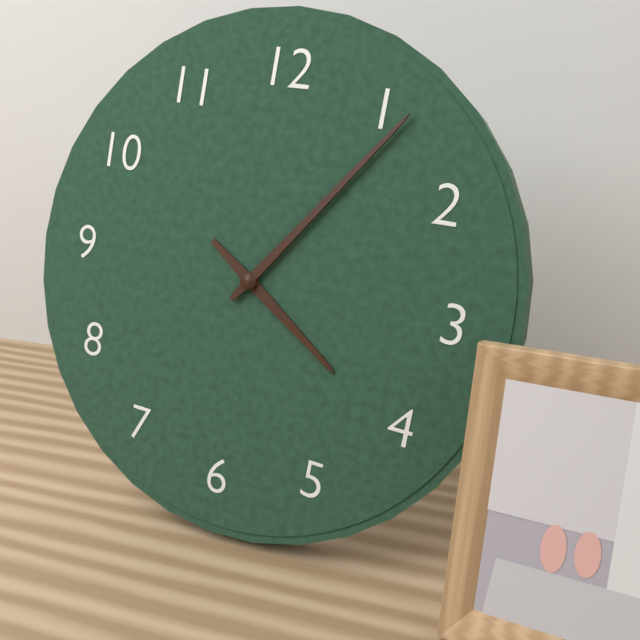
4.06
